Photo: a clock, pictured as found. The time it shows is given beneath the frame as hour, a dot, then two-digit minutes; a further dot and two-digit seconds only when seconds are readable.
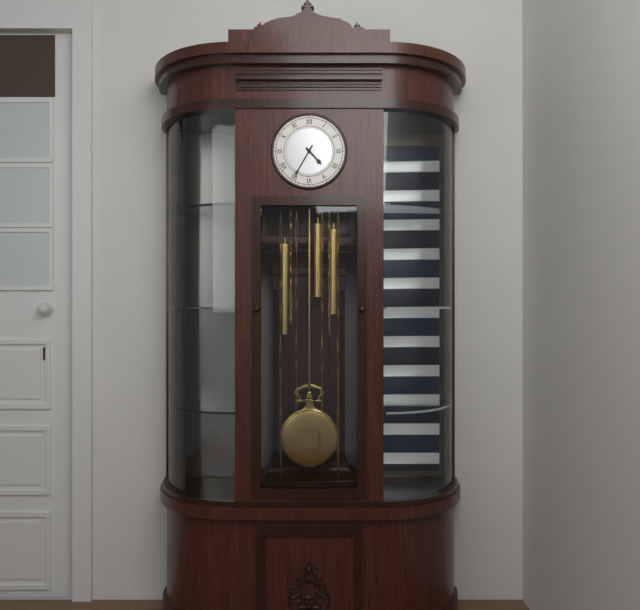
4.35
